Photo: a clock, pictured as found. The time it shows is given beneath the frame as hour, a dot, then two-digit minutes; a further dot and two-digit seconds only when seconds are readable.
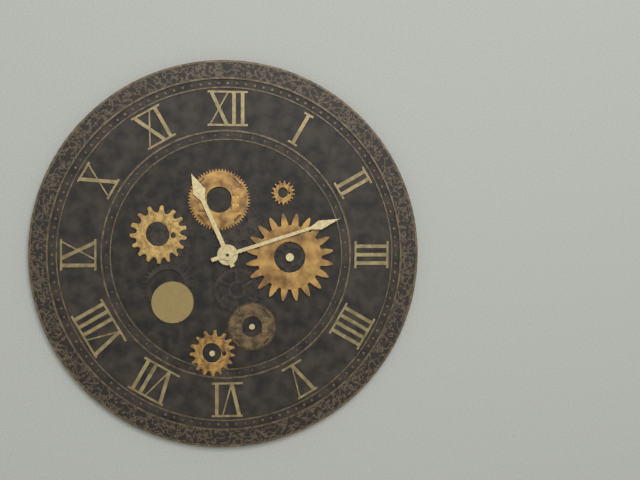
11.12
